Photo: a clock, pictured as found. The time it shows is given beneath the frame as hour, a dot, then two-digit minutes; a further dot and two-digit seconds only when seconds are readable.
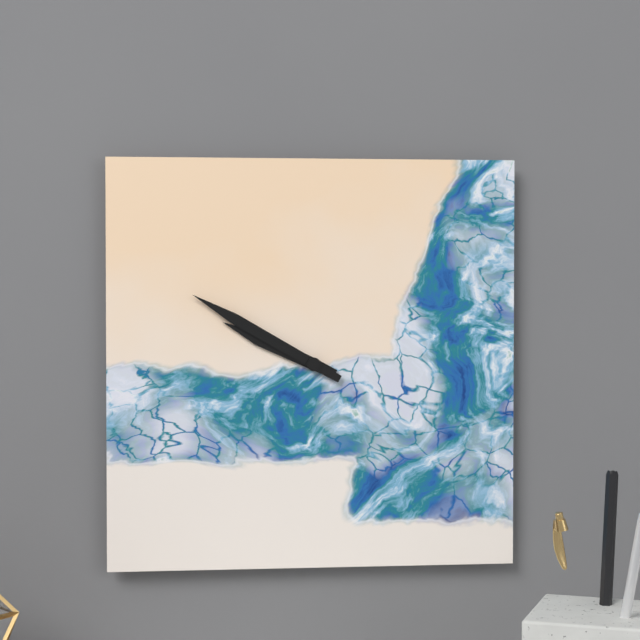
9.50
